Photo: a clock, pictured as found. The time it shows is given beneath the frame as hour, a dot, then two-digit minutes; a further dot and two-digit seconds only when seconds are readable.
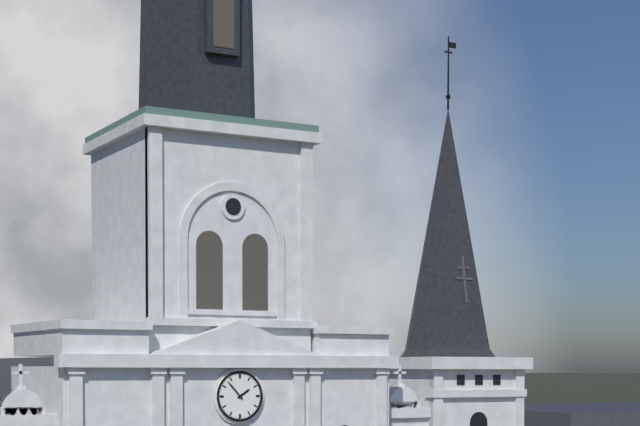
1.53
